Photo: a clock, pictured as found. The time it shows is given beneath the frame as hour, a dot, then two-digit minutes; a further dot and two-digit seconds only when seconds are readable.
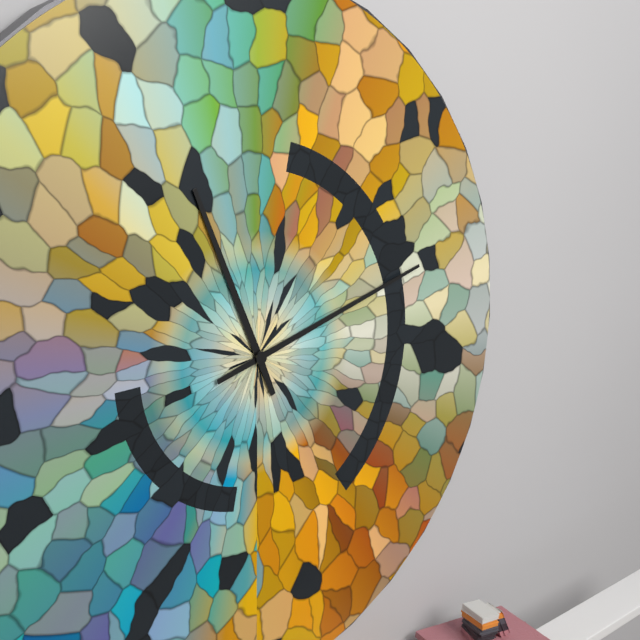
11.12
